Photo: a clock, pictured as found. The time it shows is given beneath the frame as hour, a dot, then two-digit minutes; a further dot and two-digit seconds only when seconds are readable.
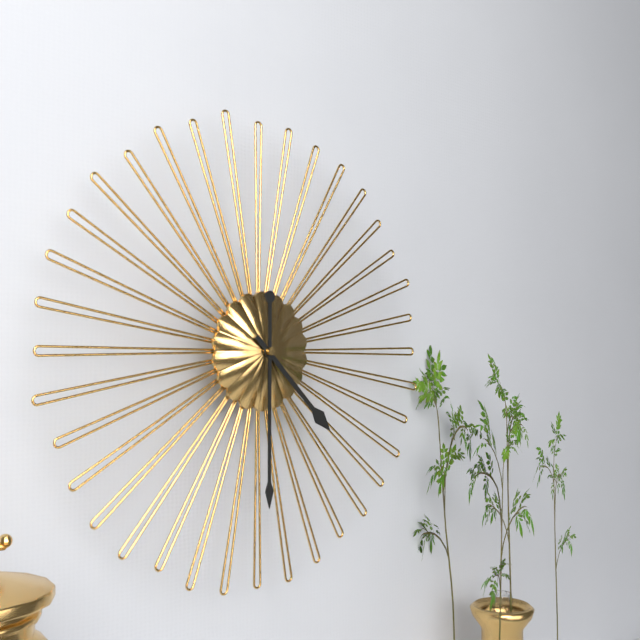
4.30
